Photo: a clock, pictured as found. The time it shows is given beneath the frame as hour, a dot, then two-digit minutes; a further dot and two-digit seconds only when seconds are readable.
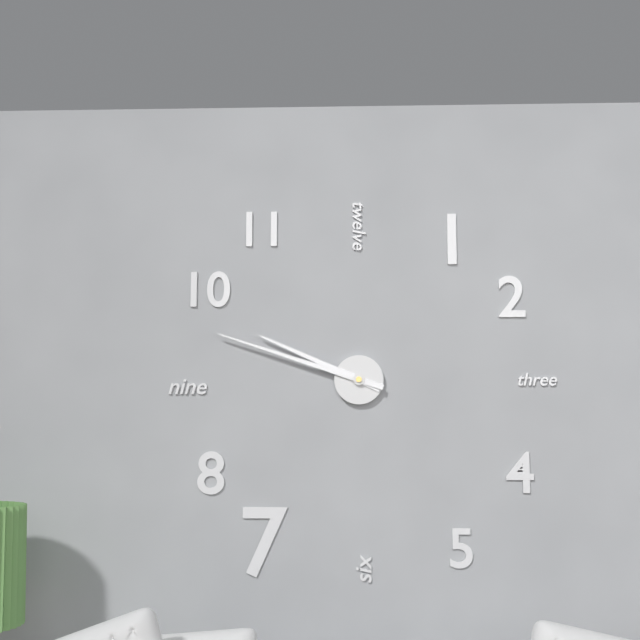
9.48
